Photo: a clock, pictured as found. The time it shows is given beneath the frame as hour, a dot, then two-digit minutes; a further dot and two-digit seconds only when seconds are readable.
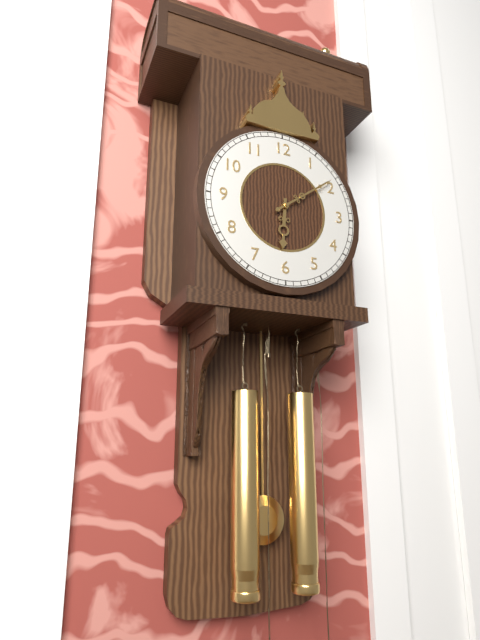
6.09
